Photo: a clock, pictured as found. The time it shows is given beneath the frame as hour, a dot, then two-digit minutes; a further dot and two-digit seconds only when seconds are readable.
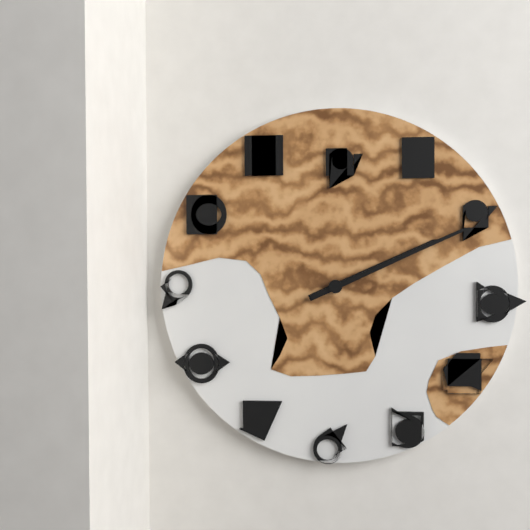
2.11
